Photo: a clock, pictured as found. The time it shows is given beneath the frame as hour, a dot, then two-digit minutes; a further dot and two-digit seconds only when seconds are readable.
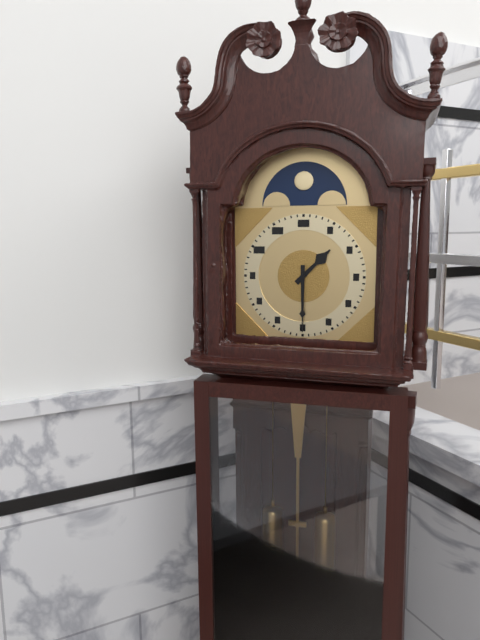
1.30
